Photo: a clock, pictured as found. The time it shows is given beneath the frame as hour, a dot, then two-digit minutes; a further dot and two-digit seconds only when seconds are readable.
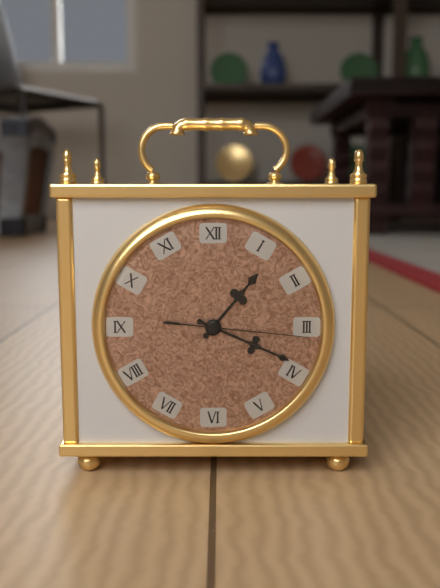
1.19.16
